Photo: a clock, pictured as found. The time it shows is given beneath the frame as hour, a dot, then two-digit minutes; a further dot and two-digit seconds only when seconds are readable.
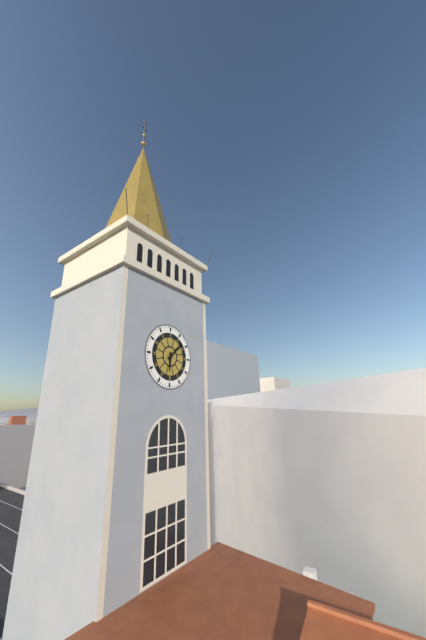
6.08
